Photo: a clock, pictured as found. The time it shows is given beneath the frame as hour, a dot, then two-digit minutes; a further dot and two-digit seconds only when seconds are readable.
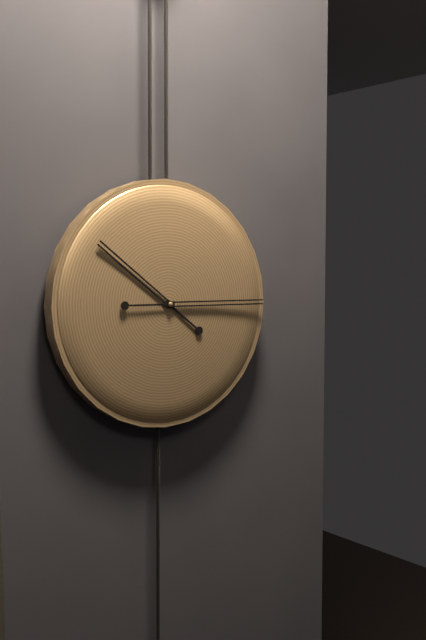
10.15
